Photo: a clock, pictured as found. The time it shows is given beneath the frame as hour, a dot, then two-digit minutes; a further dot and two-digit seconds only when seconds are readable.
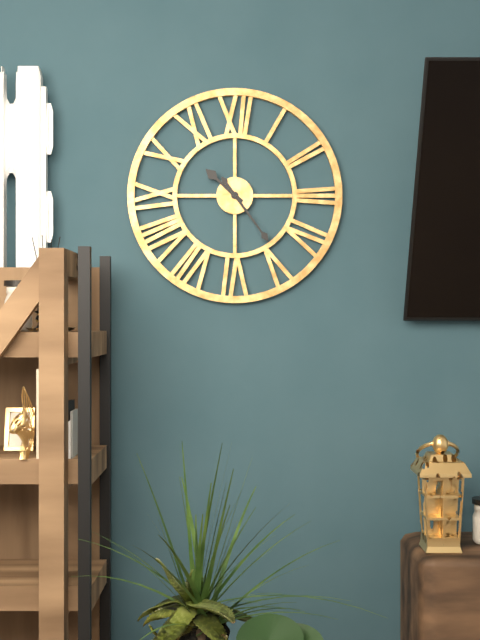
10.24
